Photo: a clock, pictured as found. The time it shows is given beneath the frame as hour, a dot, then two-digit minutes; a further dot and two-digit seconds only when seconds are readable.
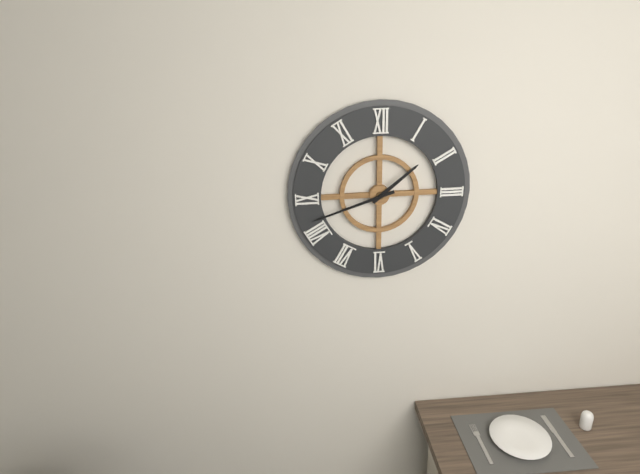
1.42
